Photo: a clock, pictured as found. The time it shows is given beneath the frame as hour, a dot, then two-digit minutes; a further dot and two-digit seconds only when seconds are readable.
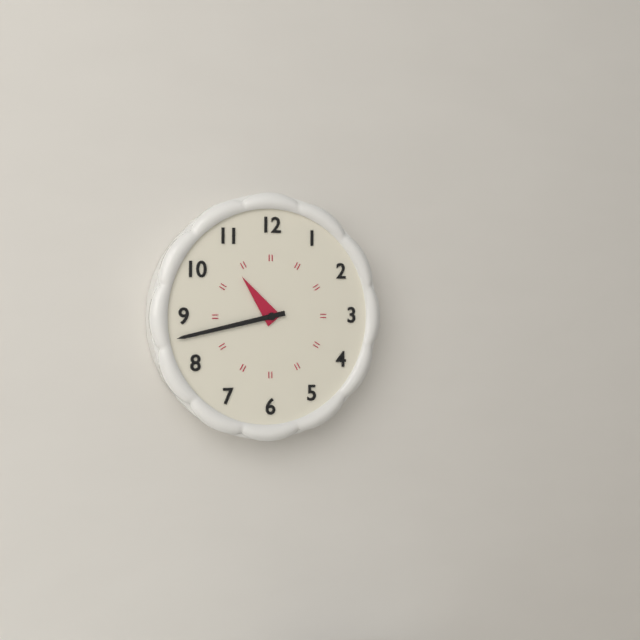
10.43
